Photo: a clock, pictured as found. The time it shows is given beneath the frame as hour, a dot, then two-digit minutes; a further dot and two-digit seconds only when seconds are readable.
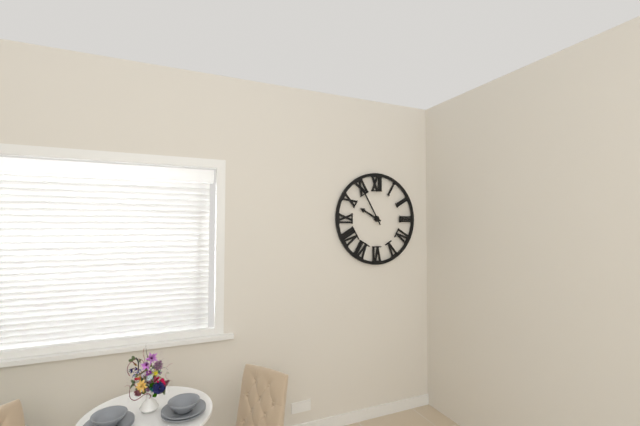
9.55
